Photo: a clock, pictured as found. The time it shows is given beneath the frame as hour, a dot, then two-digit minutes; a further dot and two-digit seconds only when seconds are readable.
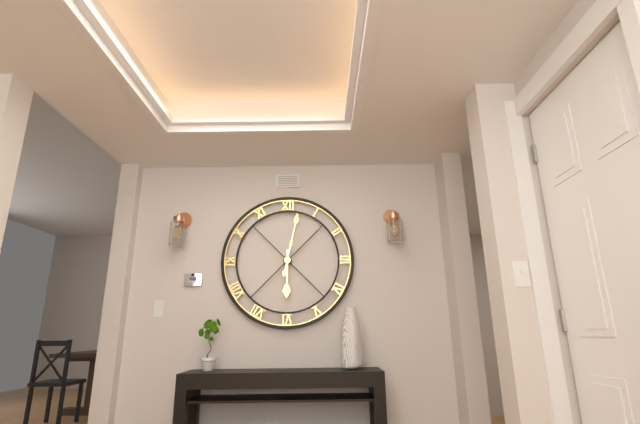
6.02
